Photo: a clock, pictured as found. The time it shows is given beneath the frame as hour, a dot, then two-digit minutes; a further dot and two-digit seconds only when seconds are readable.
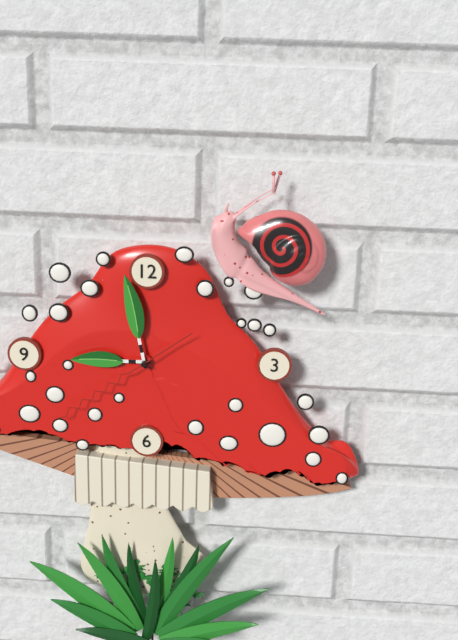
8.58.39
